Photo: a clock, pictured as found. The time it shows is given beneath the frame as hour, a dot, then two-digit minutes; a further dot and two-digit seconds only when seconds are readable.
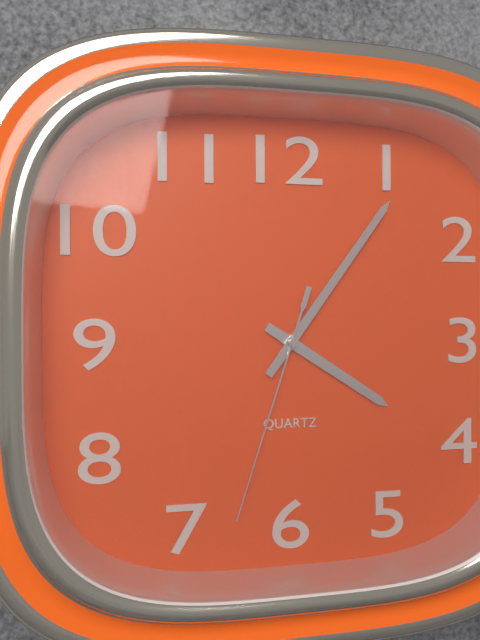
4.06.33
